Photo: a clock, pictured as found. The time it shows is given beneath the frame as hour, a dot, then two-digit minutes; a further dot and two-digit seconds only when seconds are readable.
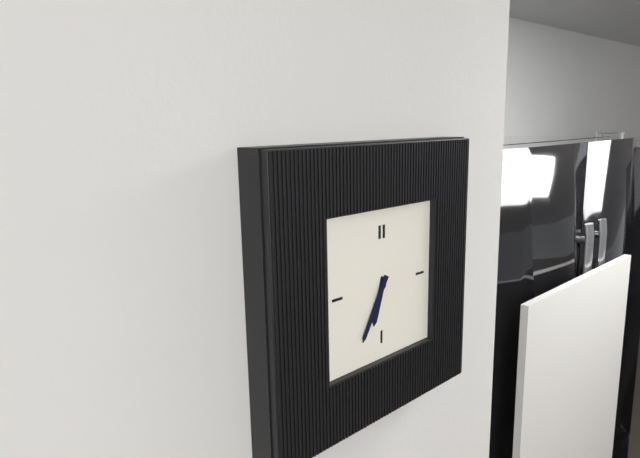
6.35
